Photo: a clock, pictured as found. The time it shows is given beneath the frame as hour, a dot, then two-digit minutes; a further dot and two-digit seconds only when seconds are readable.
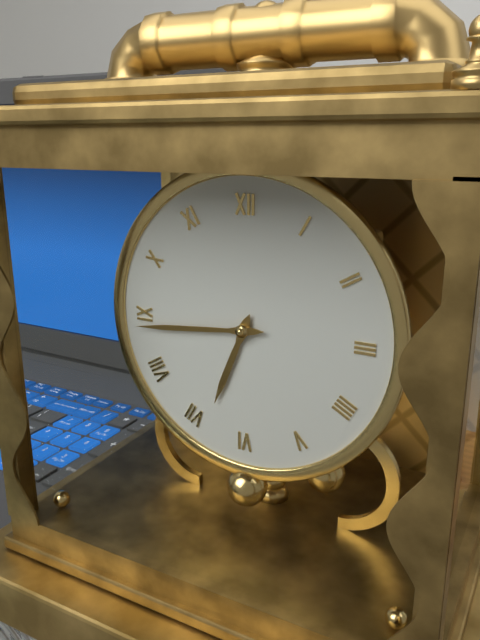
6.44
